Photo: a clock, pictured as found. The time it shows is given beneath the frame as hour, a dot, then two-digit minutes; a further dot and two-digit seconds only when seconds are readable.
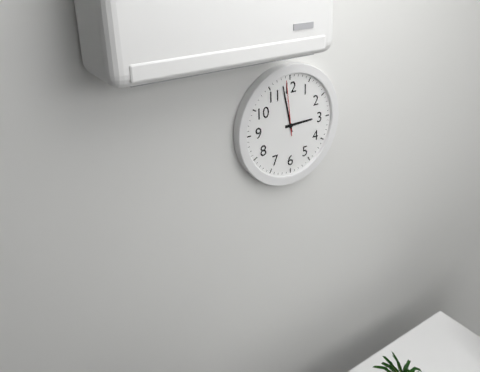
2.58.59
